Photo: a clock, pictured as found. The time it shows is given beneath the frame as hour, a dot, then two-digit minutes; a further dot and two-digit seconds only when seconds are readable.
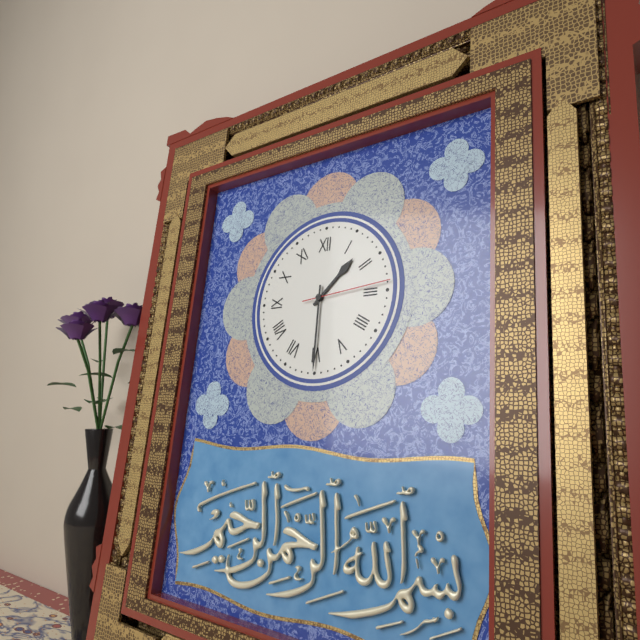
1.30.14
